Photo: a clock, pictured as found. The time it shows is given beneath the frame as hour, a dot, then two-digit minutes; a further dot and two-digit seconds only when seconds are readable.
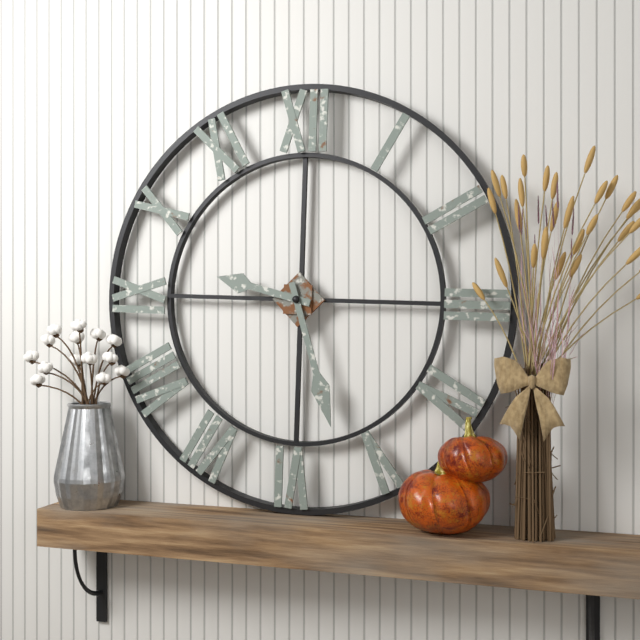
9.27
